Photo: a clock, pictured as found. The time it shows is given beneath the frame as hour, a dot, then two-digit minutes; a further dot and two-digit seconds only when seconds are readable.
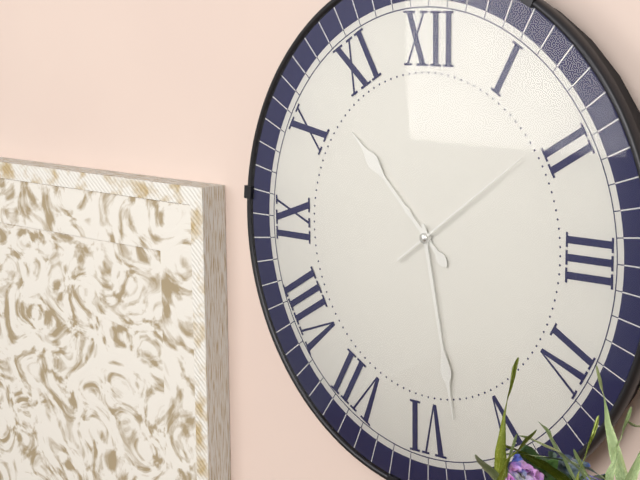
10.28.09
